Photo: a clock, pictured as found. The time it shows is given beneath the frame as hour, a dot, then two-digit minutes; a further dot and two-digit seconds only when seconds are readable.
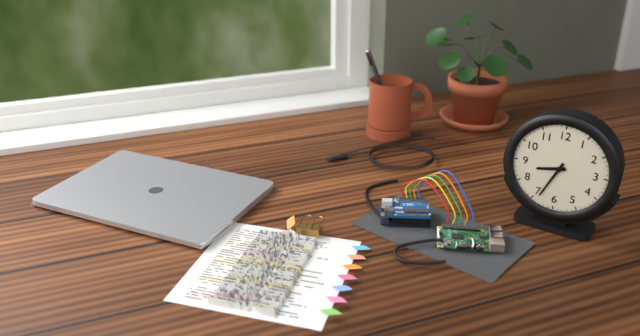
8.34
